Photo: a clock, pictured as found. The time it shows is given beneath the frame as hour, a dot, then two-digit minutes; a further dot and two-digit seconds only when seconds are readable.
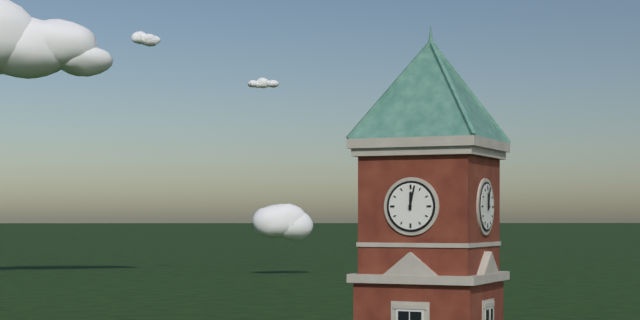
12.02
